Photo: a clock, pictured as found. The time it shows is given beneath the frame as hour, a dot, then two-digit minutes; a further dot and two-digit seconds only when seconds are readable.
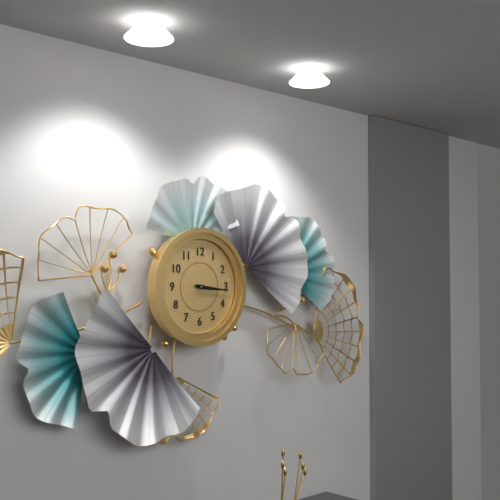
3.16
